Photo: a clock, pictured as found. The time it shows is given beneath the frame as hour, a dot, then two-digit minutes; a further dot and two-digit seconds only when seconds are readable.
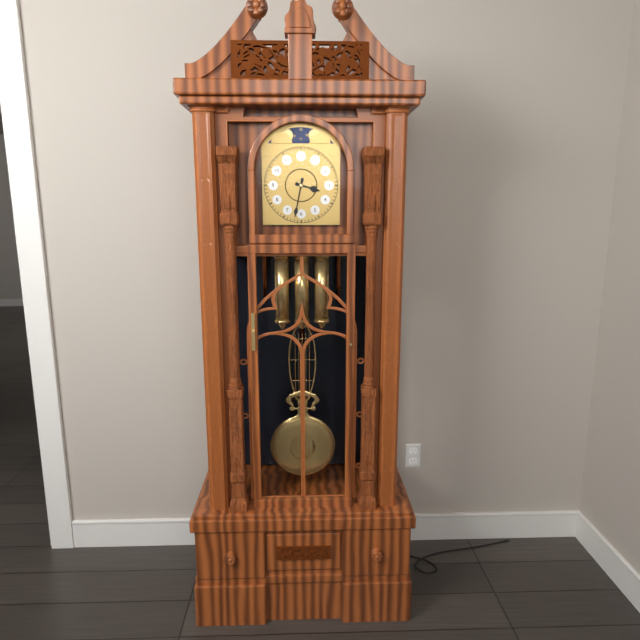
3.32
